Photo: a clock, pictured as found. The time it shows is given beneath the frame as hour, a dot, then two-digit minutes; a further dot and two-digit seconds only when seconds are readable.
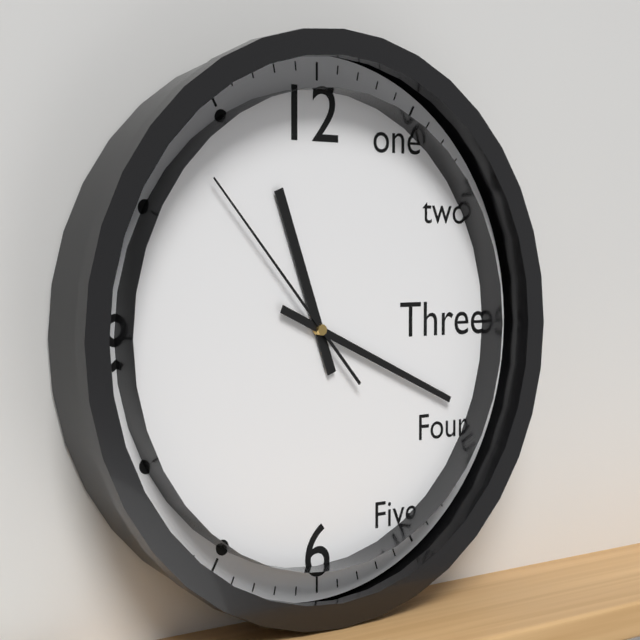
11.19.53
